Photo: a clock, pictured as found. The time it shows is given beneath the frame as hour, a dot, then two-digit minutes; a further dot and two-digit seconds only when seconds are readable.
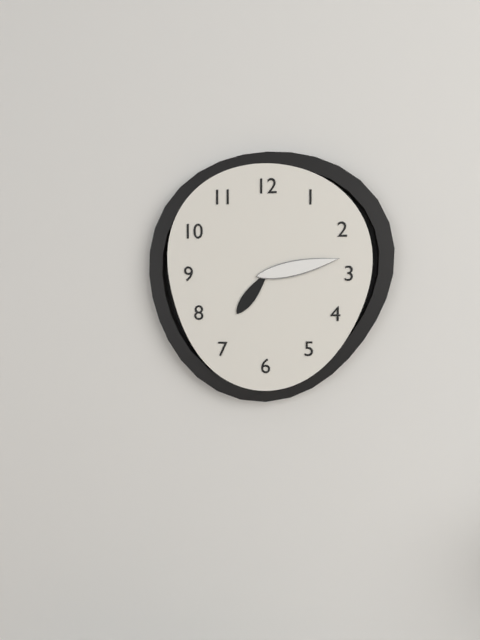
7.13
